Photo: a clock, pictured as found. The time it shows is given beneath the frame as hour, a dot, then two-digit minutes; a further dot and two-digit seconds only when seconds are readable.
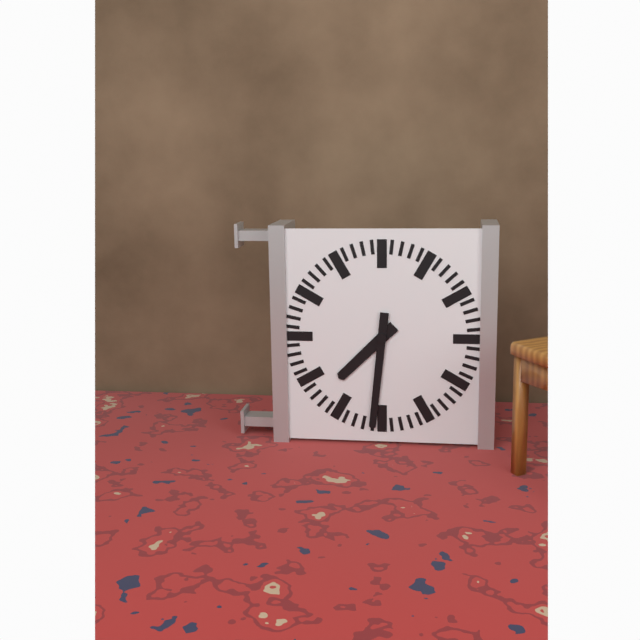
7.31
